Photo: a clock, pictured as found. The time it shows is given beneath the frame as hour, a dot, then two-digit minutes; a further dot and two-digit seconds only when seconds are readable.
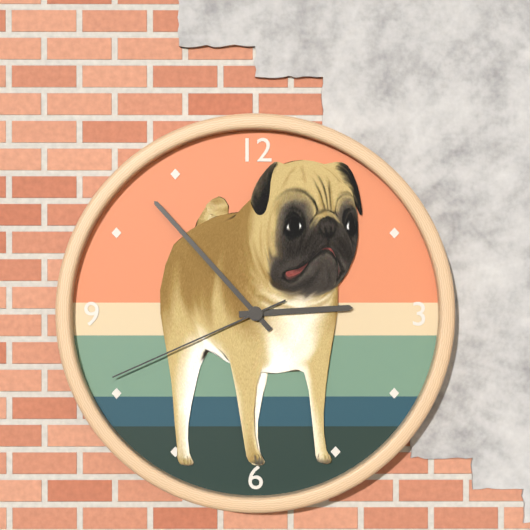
2.53.41
